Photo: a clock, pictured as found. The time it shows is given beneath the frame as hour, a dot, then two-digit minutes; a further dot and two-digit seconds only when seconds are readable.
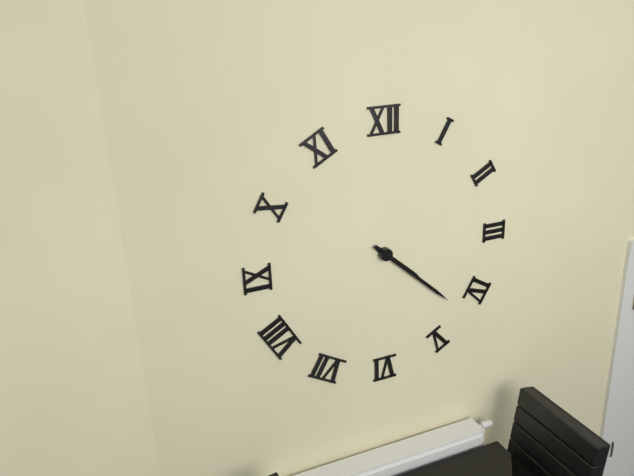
4.22
